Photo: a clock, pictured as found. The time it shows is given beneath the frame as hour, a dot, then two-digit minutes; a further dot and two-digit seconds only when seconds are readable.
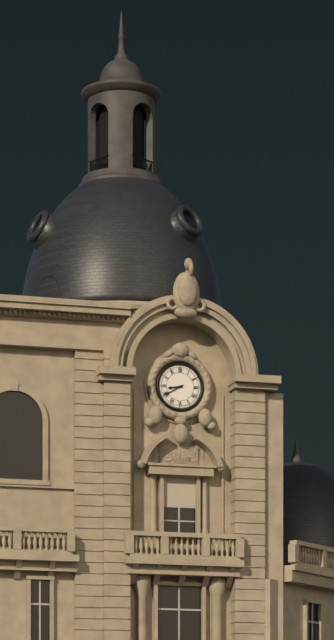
8.40
